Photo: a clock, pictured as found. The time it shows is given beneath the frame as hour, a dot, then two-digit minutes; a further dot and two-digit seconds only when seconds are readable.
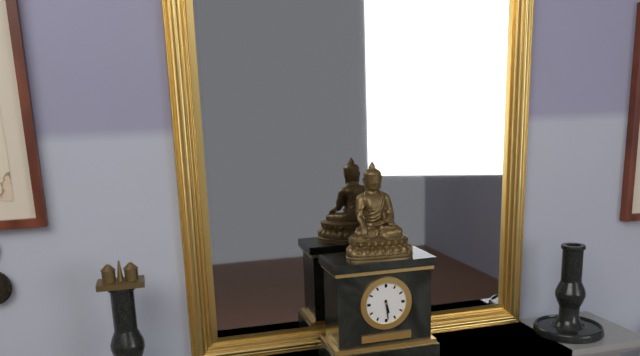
5.29
